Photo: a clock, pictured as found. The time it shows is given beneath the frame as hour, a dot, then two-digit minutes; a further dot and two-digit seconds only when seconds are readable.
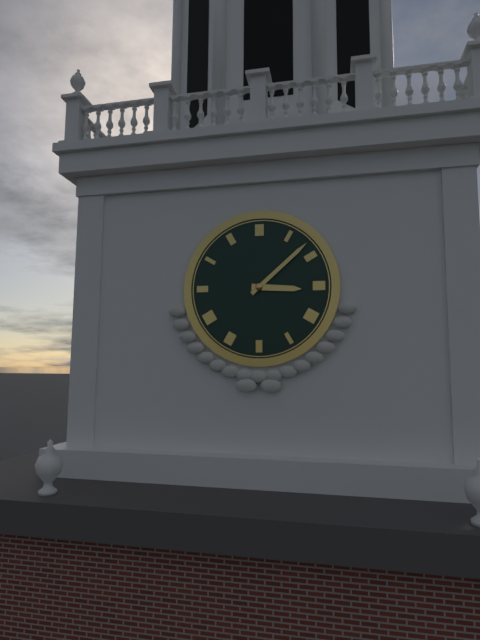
3.08
